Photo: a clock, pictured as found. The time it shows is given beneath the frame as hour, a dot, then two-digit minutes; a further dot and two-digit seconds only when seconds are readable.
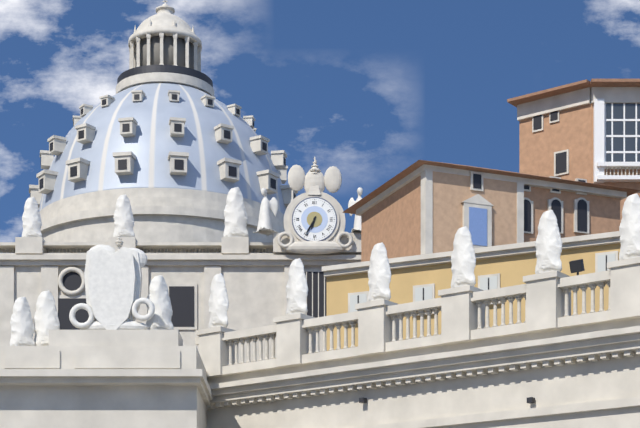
6.35
